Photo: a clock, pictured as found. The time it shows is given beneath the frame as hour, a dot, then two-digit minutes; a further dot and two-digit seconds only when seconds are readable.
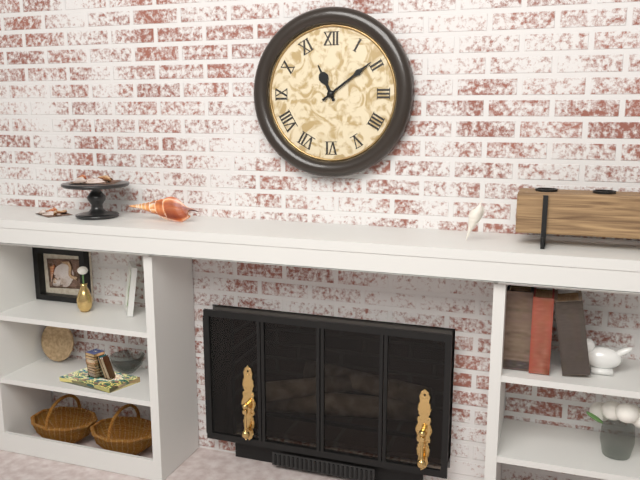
11.09
